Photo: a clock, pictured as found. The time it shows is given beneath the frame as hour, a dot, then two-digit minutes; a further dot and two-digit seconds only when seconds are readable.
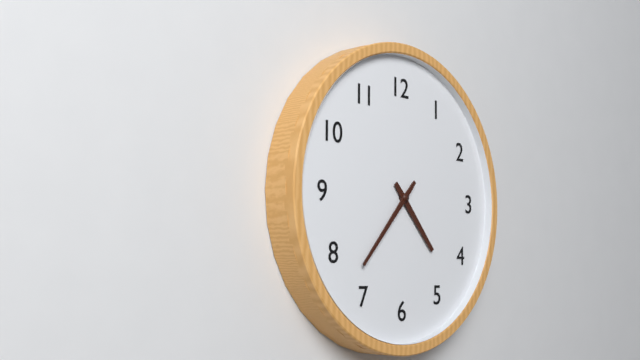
4.37
